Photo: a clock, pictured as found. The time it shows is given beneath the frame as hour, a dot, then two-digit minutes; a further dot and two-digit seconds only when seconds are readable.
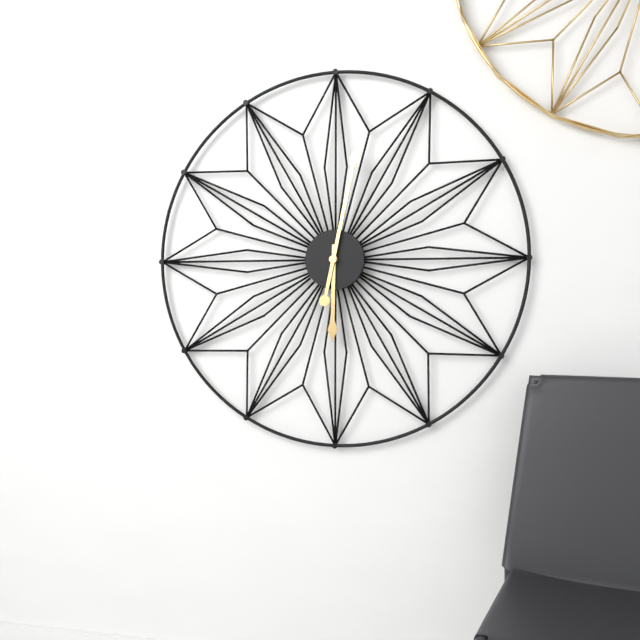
6.02
